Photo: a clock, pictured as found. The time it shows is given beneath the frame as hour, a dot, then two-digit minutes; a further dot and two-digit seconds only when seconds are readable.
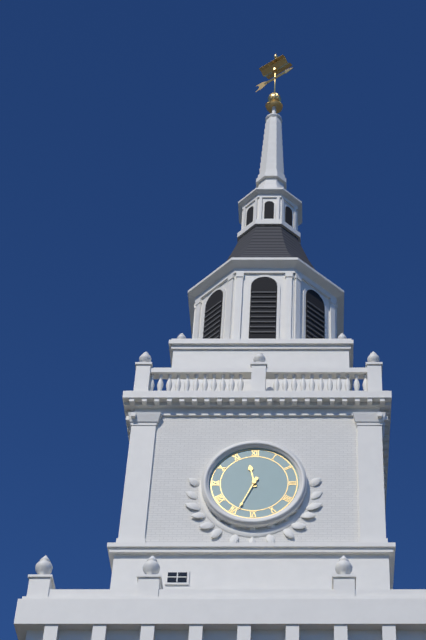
11.34
